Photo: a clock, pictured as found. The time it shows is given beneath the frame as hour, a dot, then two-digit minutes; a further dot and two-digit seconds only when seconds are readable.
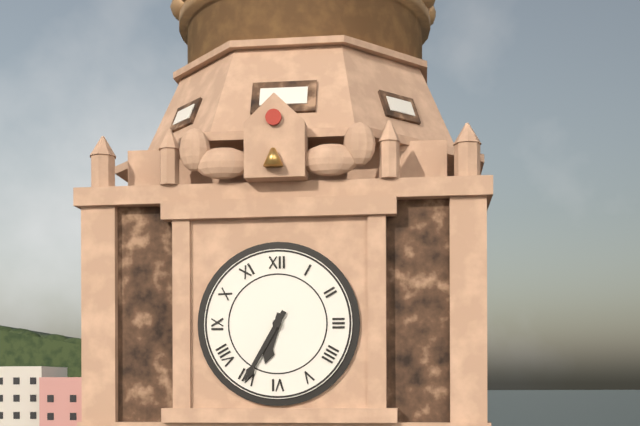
6.35
